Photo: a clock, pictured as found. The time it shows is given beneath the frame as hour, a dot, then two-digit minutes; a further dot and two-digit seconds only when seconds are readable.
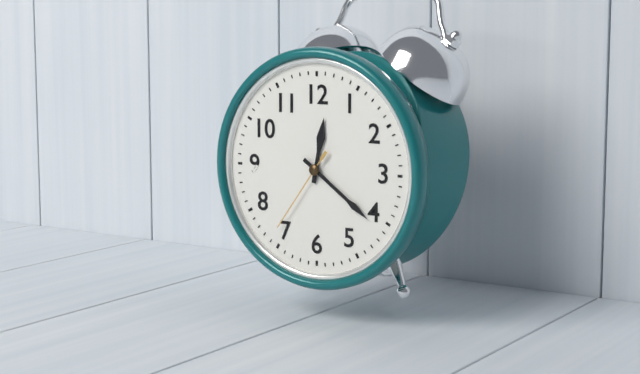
12.21.36
